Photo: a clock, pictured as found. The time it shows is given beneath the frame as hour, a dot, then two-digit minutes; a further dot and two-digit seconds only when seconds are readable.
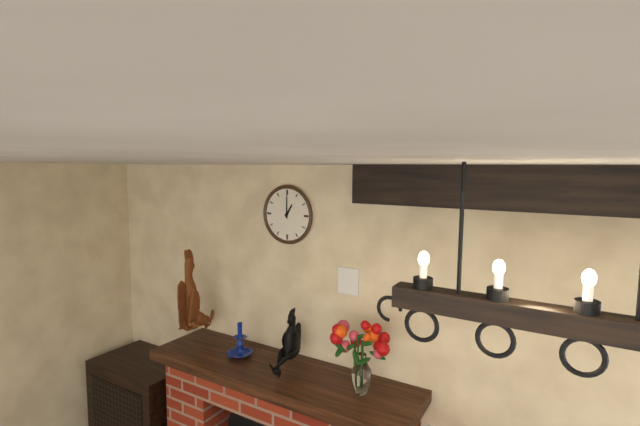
1.00
